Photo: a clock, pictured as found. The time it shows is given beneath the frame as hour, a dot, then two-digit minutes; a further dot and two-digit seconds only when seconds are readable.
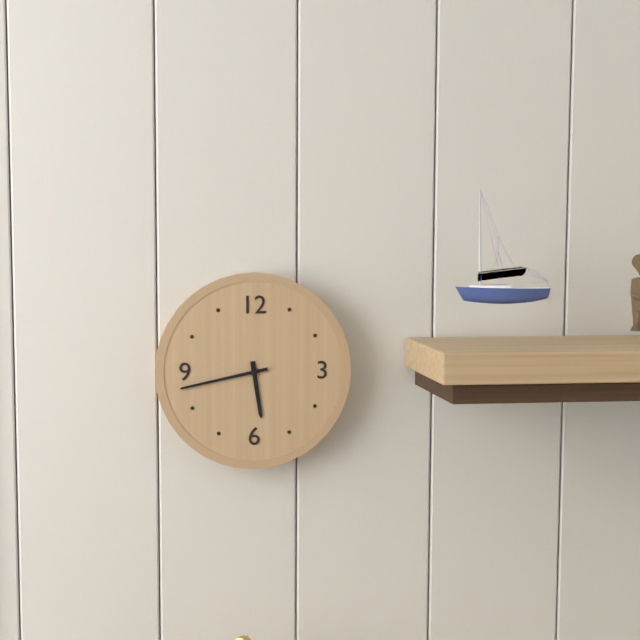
5.43
